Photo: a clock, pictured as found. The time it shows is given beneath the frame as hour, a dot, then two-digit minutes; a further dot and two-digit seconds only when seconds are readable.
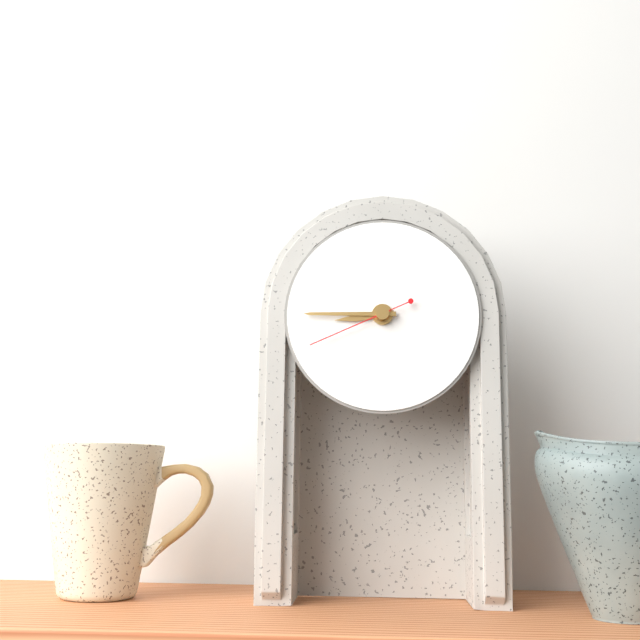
8.45.41
